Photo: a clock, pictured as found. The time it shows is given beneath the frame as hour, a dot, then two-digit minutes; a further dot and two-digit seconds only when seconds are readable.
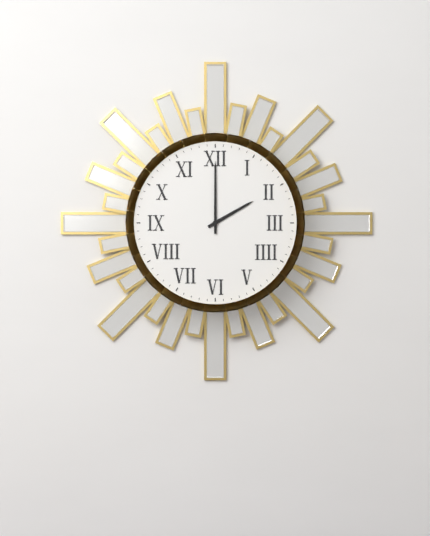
2.00
